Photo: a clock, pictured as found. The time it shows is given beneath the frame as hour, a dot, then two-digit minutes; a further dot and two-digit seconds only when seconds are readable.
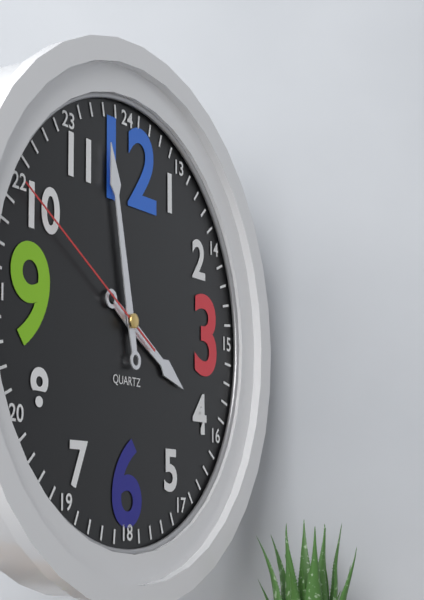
3.58.50
